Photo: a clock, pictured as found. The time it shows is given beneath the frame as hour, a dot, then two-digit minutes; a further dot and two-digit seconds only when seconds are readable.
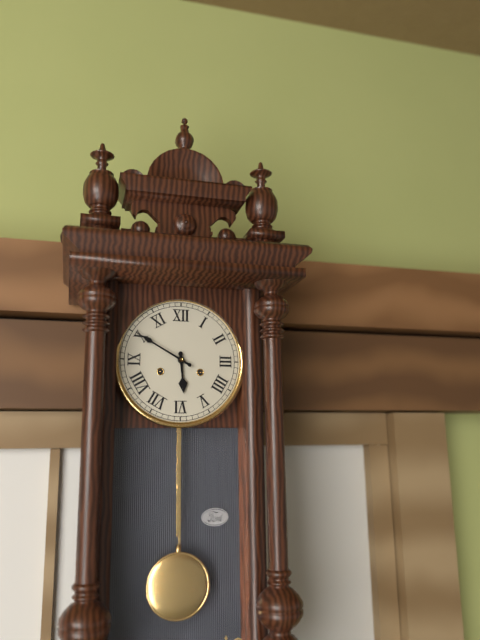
5.50
